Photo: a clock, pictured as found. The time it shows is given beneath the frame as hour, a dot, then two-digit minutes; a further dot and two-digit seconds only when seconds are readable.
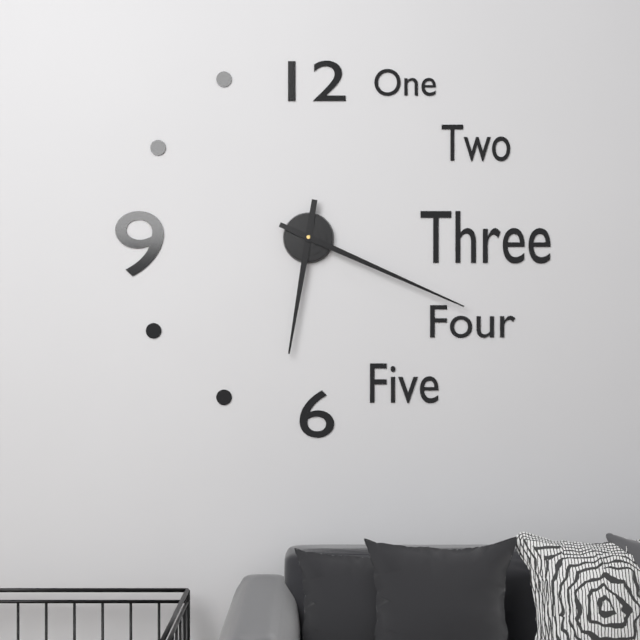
6.19
